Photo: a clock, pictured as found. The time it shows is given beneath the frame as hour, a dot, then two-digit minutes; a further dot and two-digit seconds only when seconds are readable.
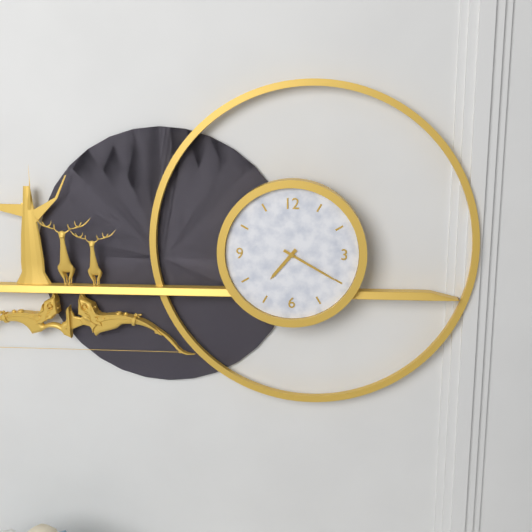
7.20
